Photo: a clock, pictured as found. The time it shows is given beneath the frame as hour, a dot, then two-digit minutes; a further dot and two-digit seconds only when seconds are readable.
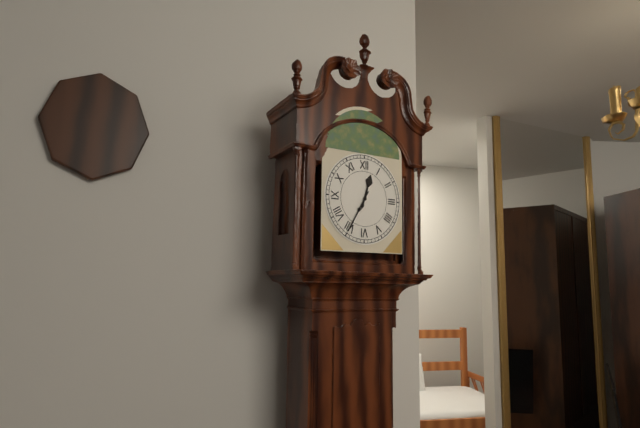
12.35
